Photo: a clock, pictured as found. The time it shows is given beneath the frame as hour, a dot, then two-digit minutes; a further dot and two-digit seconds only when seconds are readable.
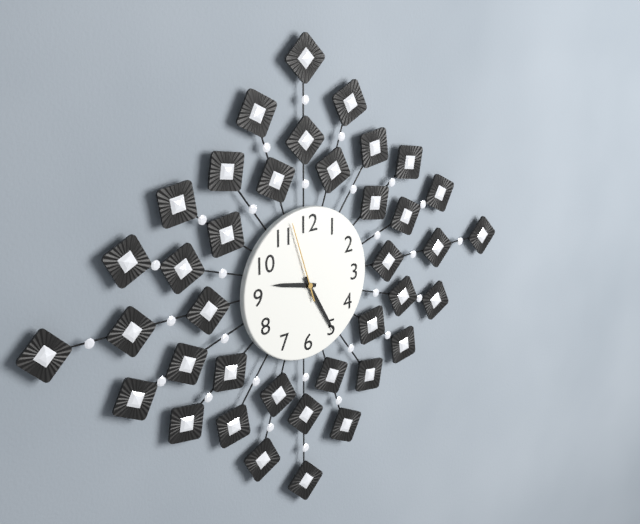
9.25.57
